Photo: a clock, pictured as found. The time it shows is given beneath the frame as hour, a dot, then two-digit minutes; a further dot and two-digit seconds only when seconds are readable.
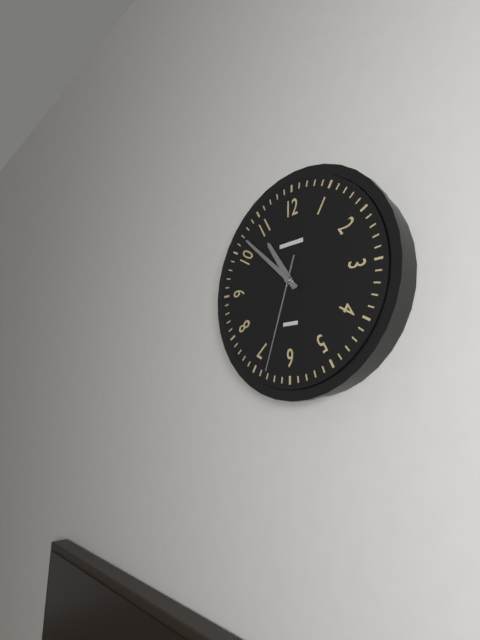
10.52.33
